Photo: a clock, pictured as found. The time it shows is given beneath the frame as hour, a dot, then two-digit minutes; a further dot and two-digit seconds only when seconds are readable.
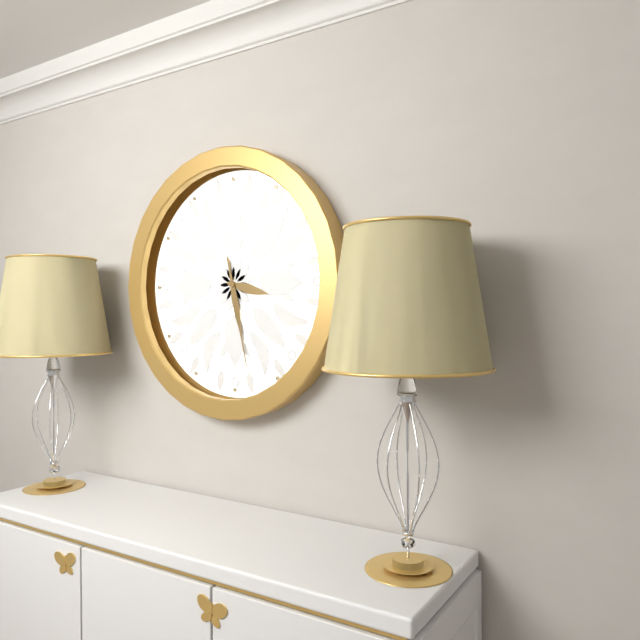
3.28
